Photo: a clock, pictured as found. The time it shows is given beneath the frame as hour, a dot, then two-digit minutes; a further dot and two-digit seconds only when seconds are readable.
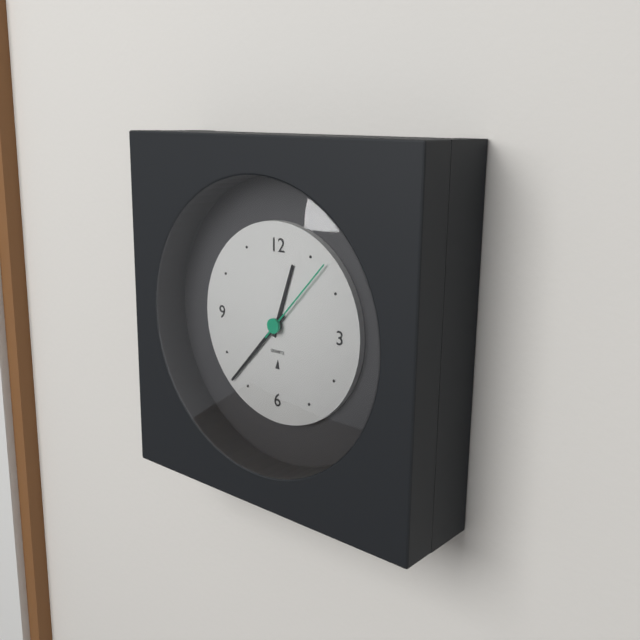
12.37.07
